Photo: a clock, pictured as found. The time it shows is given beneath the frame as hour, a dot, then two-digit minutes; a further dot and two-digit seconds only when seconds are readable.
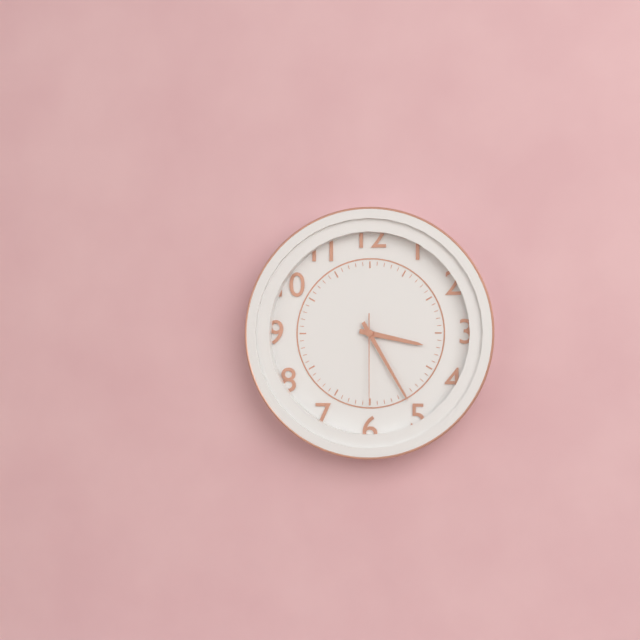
3.25.30
